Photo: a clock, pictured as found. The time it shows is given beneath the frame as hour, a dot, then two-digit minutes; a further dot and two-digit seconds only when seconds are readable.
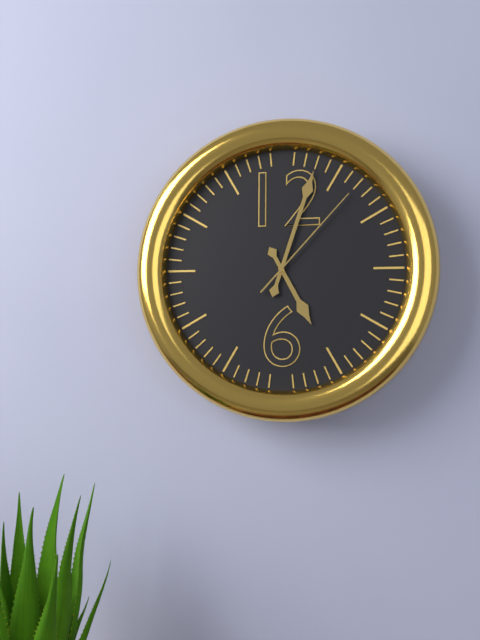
5.03.07
